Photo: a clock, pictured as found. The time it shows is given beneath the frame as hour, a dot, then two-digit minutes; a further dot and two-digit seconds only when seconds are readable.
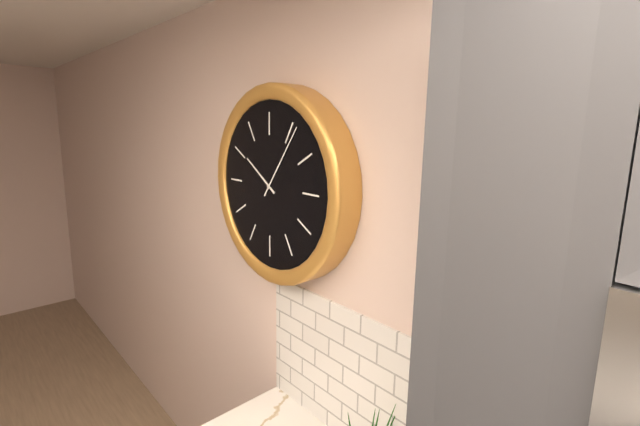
10.06
